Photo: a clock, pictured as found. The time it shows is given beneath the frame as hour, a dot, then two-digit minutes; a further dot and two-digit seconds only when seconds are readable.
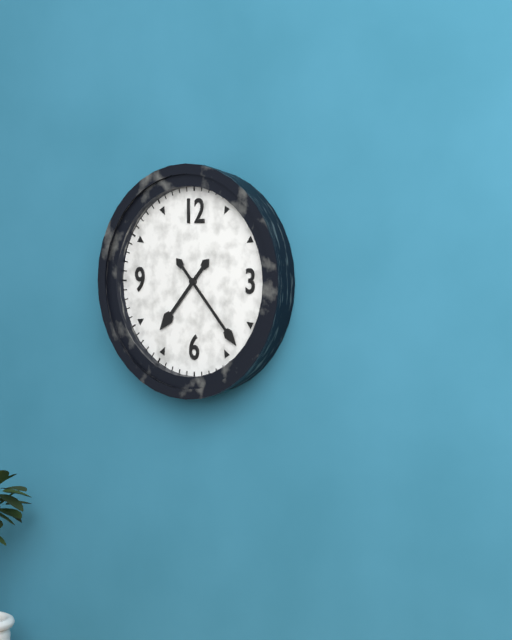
7.23
